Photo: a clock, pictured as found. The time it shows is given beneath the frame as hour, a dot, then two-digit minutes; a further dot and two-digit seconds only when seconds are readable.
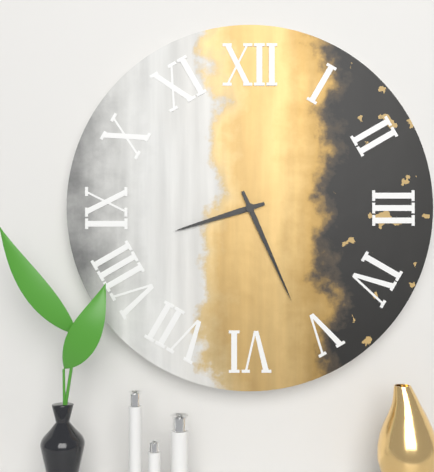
8.26
